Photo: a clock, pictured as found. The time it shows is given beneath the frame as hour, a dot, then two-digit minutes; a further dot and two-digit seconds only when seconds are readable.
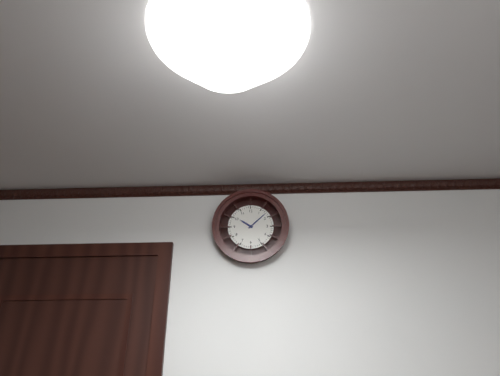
10.08
